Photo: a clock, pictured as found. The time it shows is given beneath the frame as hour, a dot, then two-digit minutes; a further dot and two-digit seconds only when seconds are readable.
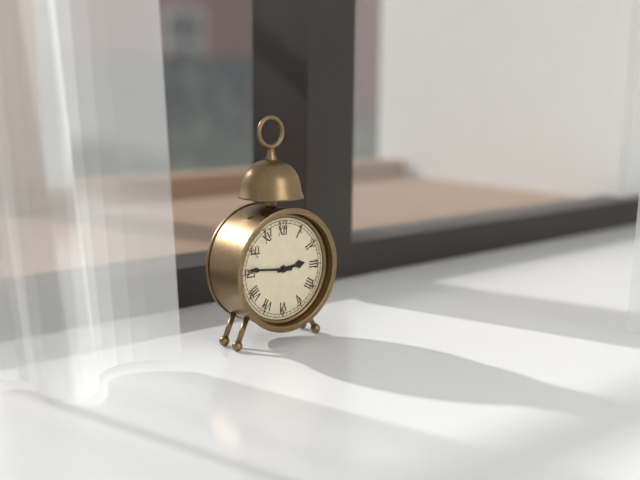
2.46
